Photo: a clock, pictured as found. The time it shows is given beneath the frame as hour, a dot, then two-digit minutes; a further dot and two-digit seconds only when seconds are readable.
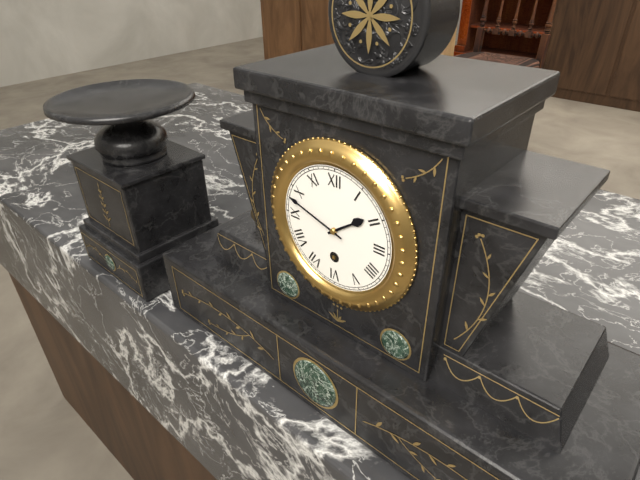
1.48
